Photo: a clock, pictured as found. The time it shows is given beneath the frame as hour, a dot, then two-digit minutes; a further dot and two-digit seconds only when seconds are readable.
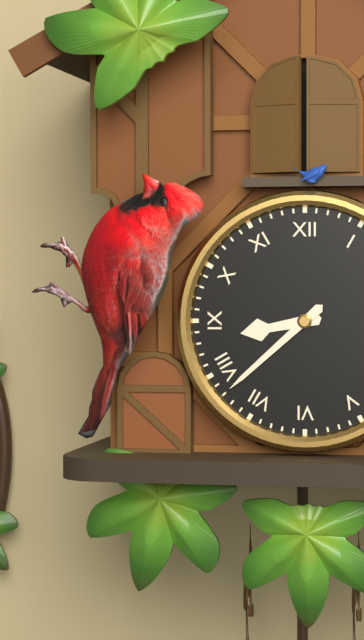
8.38
